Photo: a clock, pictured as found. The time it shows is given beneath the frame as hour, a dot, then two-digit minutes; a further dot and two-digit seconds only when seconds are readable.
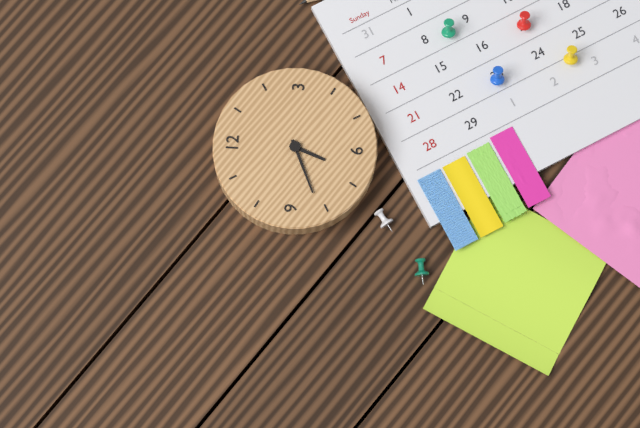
6.41
